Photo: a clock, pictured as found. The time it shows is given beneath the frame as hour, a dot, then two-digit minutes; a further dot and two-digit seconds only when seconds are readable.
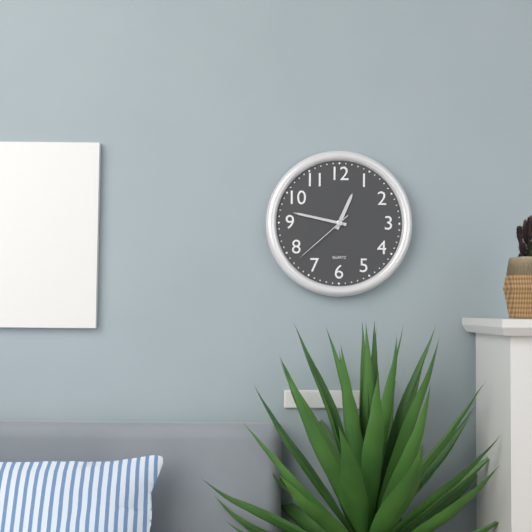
12.47.38
